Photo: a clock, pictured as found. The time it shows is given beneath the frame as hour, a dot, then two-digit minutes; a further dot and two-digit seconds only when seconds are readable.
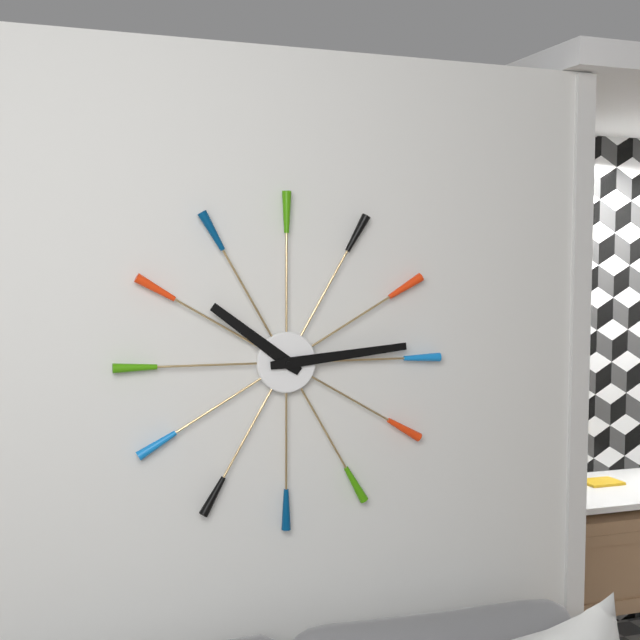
10.14
